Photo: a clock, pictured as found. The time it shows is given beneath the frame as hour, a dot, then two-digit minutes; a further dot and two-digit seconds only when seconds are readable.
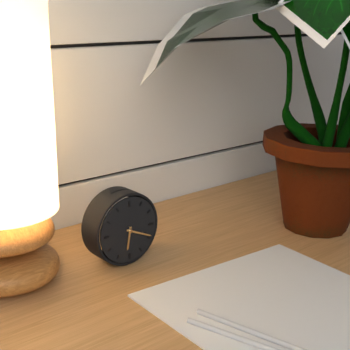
6.19
